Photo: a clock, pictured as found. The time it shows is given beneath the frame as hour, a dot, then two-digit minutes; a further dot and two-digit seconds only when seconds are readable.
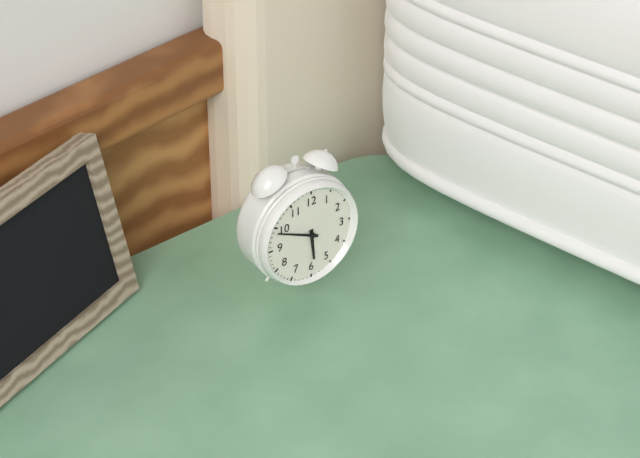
5.49
